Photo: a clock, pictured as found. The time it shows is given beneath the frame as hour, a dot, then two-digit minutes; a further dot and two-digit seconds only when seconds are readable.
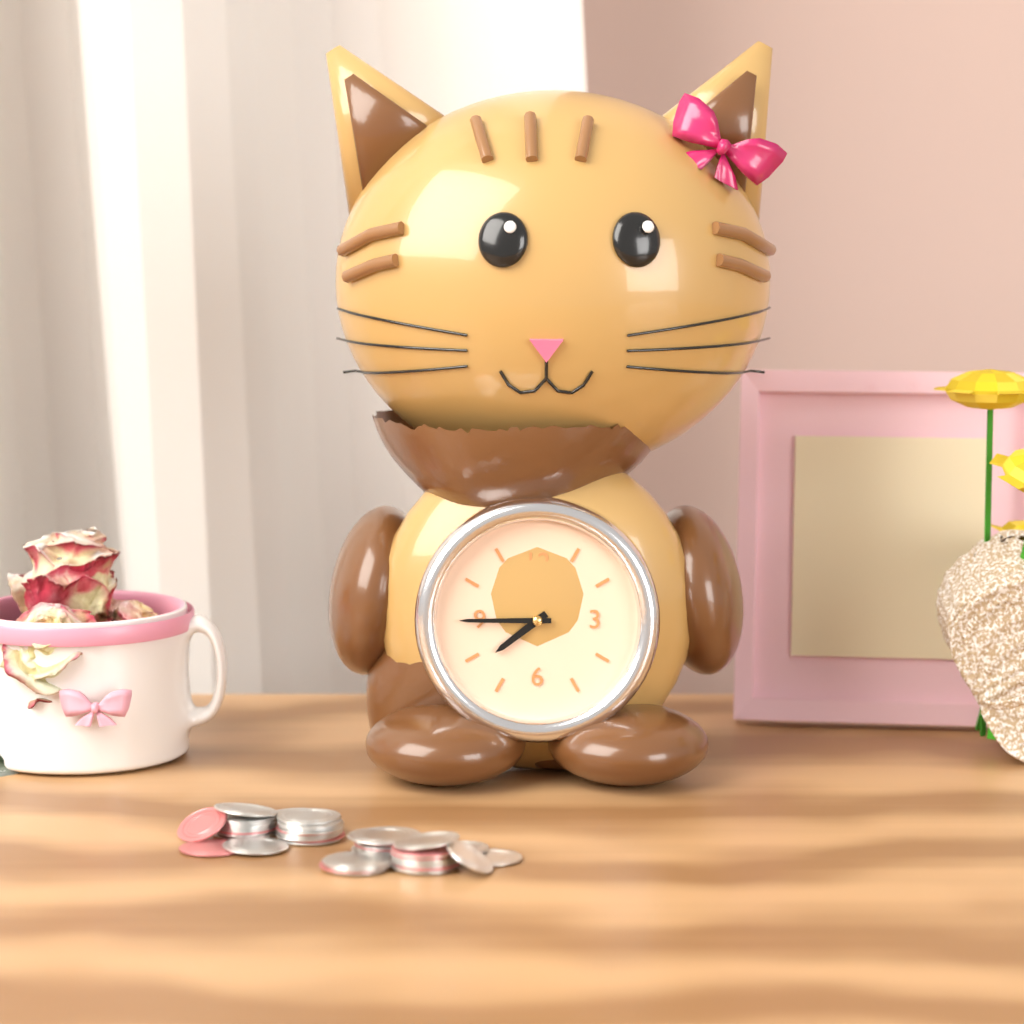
7.45
